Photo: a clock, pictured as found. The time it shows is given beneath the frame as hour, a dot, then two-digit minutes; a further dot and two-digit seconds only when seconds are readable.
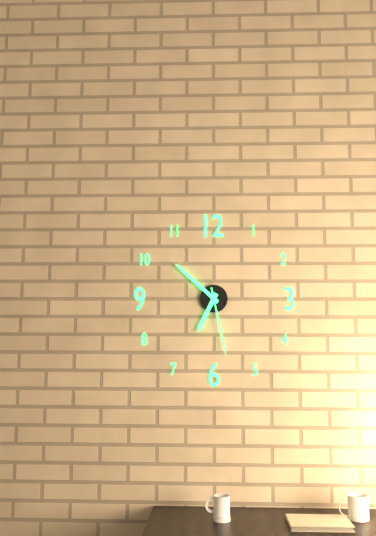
6.52.28
